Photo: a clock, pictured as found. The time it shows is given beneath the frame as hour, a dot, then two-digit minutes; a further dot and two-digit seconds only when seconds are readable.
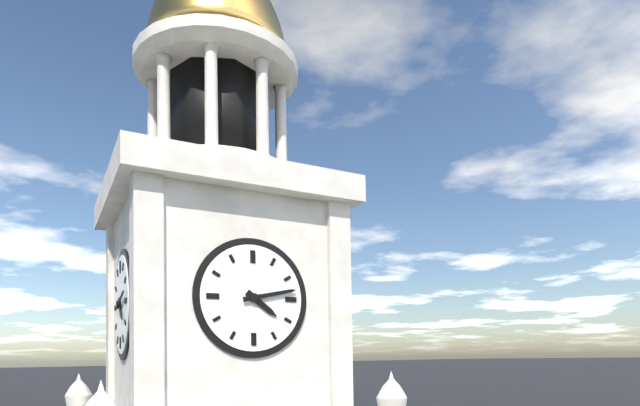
4.13
